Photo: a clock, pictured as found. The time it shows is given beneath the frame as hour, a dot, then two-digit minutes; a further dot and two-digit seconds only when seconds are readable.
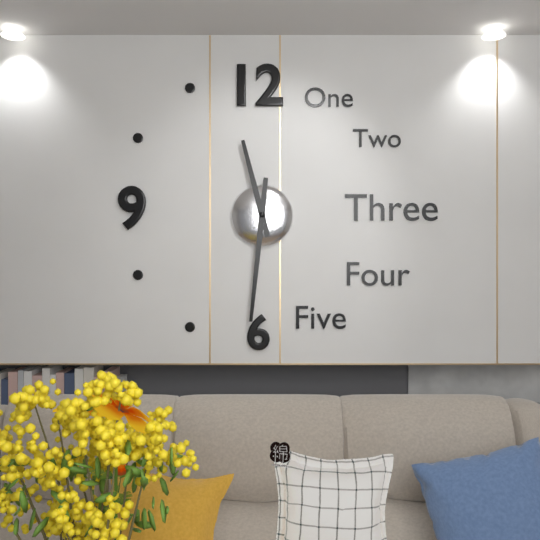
11.31
